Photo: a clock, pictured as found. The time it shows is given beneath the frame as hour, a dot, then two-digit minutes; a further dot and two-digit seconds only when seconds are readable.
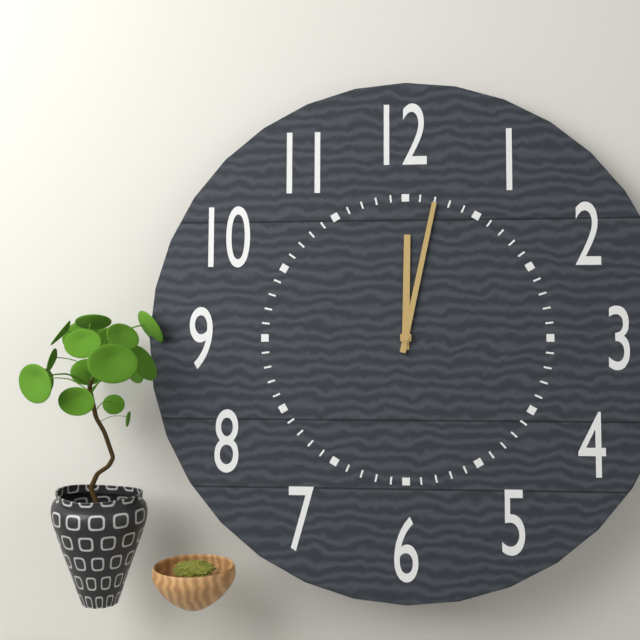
12.02
